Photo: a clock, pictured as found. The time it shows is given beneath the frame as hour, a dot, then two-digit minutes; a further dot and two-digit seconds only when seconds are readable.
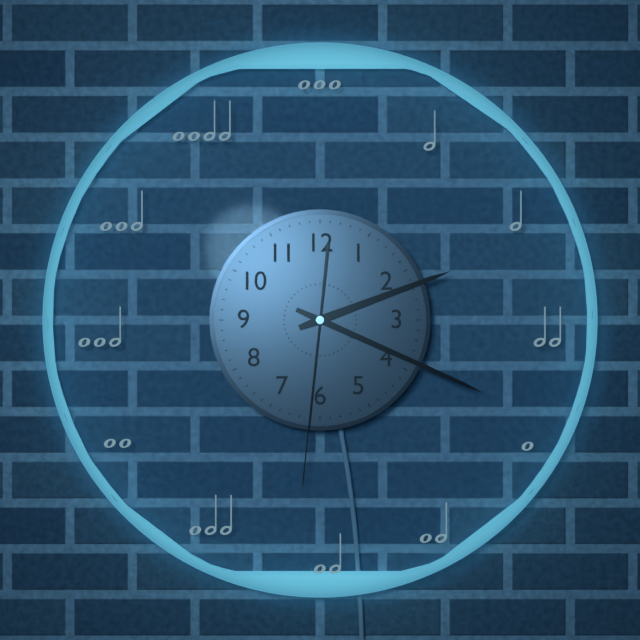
2.19.31
